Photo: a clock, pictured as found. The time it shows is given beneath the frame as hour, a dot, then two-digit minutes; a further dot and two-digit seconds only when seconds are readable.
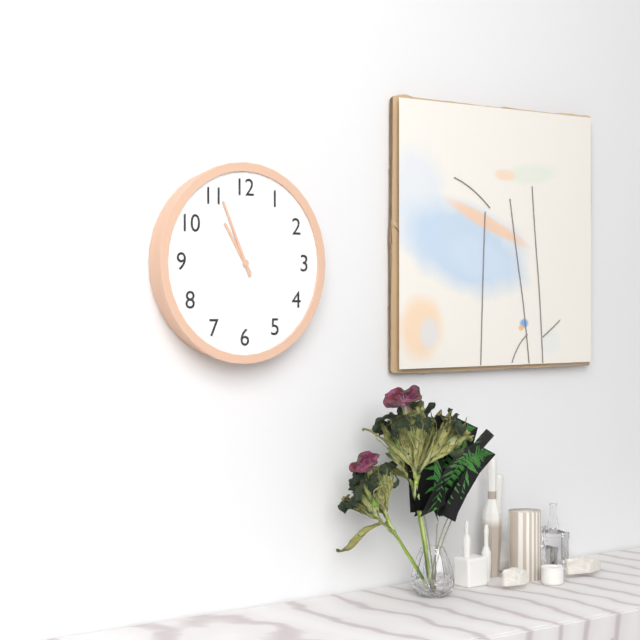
10.56
